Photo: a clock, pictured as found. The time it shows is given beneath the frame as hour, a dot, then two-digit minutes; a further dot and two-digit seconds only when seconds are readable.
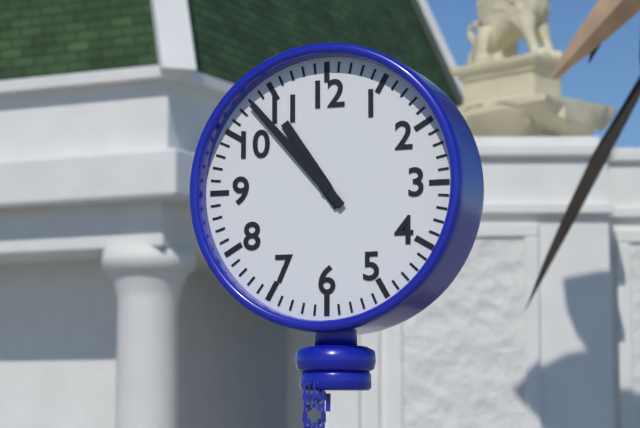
10.53
